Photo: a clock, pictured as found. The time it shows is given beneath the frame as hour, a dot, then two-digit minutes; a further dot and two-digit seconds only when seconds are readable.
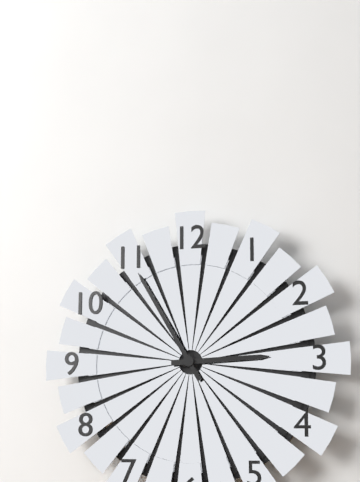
2.55
